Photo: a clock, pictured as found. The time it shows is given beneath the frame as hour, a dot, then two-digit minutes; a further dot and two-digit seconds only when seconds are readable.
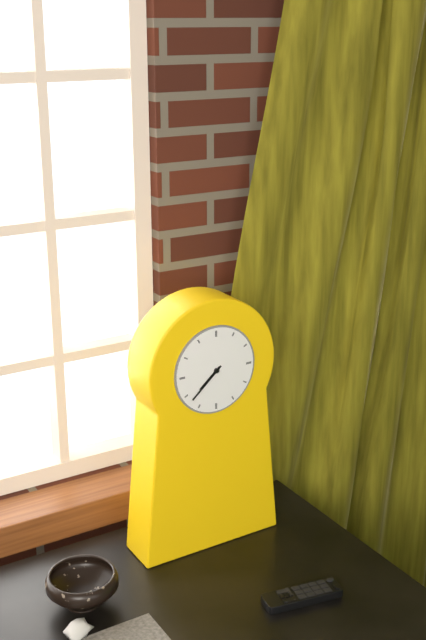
7.38
